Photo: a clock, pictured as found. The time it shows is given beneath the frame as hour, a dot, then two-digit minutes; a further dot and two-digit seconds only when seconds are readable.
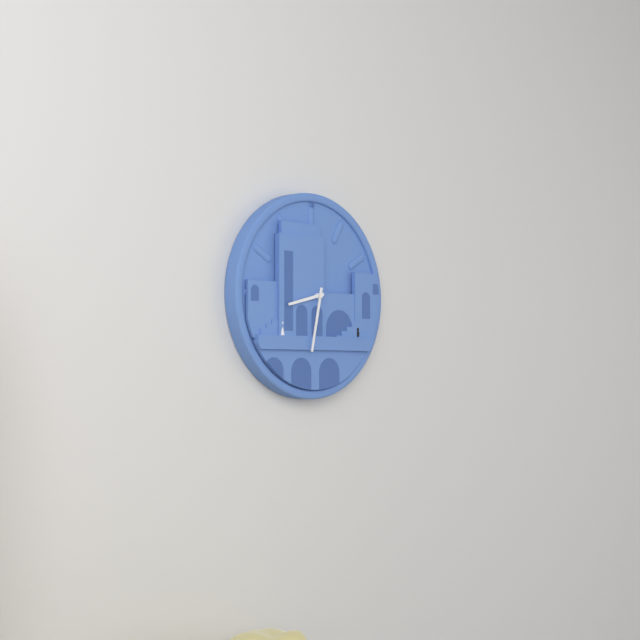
8.32
